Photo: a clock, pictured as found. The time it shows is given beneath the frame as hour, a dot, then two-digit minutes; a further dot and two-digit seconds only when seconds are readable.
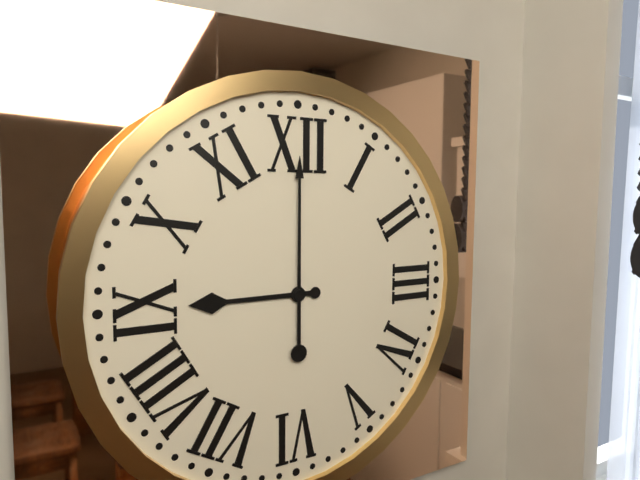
9.00
